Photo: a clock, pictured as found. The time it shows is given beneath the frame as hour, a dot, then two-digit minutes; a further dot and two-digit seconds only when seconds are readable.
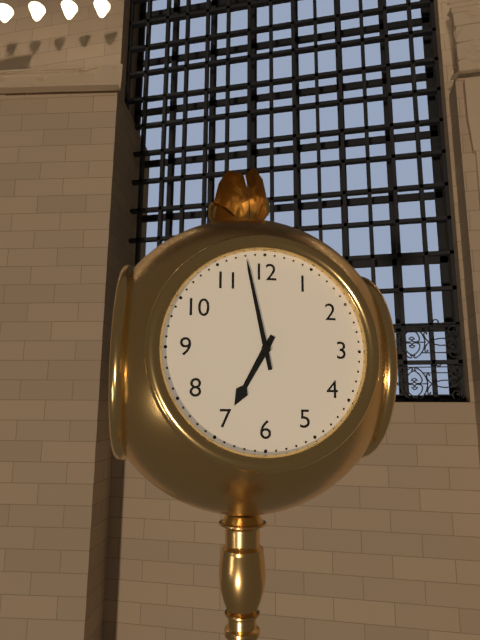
6.58
